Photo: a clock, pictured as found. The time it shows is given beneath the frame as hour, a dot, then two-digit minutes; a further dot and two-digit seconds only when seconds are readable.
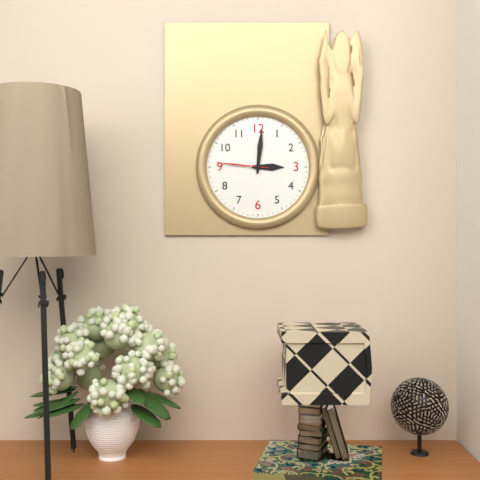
3.01.46
